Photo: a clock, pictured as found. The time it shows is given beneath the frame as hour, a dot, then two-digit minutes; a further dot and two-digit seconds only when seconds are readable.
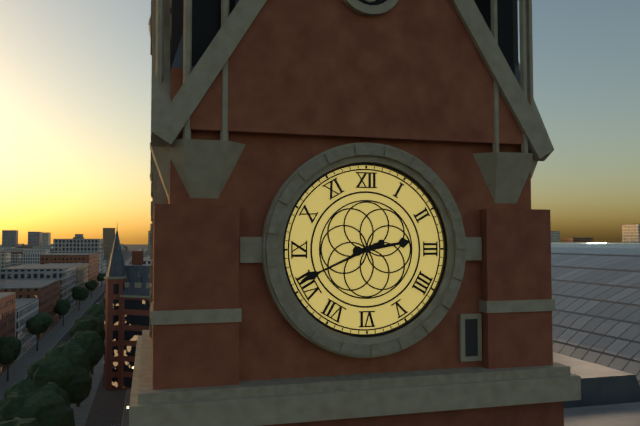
2.41
